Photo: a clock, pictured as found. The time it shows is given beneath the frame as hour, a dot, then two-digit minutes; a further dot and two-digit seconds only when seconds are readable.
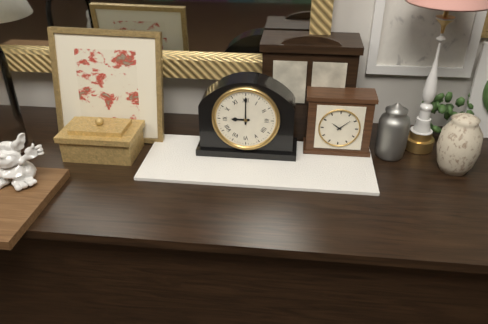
9.00
